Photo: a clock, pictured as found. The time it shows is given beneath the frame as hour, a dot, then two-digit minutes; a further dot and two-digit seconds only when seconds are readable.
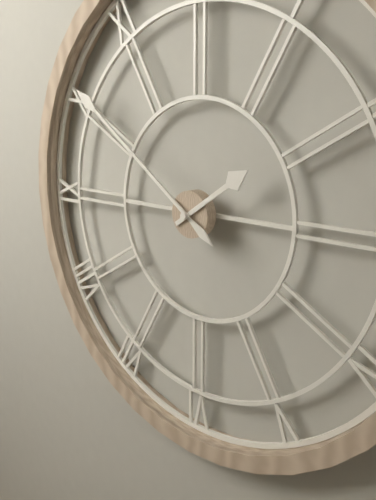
1.51
